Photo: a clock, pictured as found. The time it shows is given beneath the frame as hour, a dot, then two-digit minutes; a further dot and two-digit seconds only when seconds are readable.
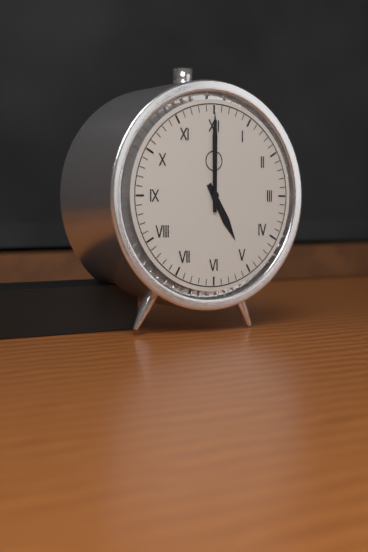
5.00
